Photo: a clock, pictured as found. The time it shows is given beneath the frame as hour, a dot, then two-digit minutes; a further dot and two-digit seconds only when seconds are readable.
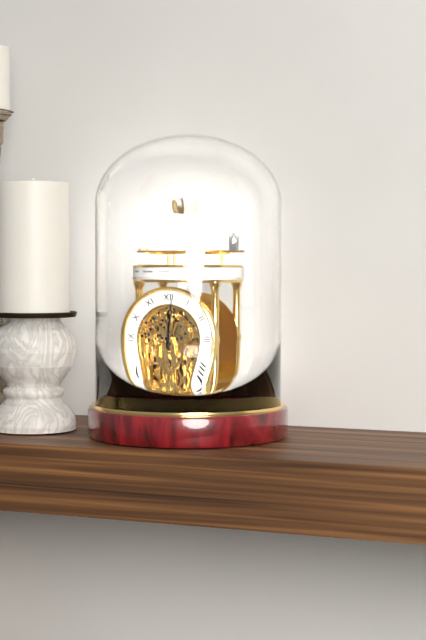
12.01
